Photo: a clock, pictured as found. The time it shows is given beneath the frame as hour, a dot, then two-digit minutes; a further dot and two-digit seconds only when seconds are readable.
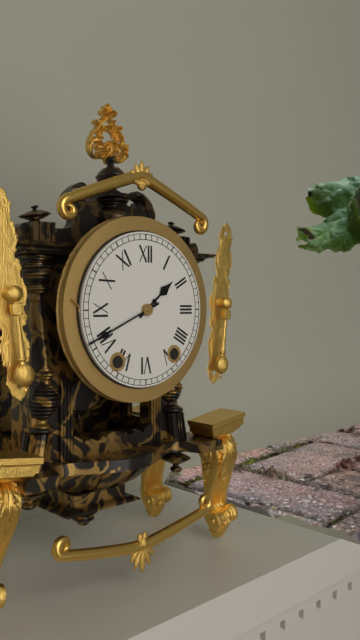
1.41
